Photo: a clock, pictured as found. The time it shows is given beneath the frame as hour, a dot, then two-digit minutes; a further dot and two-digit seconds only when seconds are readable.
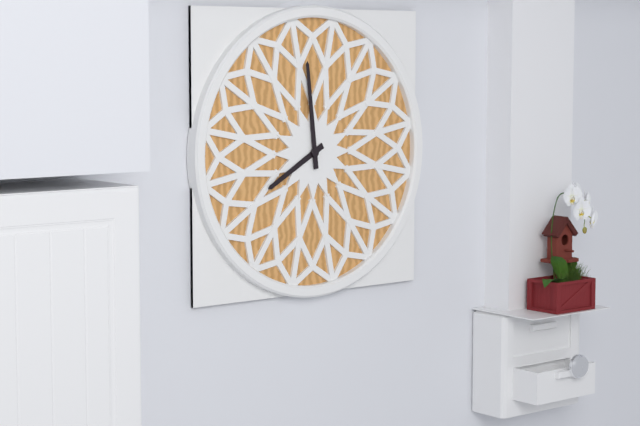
7.59
